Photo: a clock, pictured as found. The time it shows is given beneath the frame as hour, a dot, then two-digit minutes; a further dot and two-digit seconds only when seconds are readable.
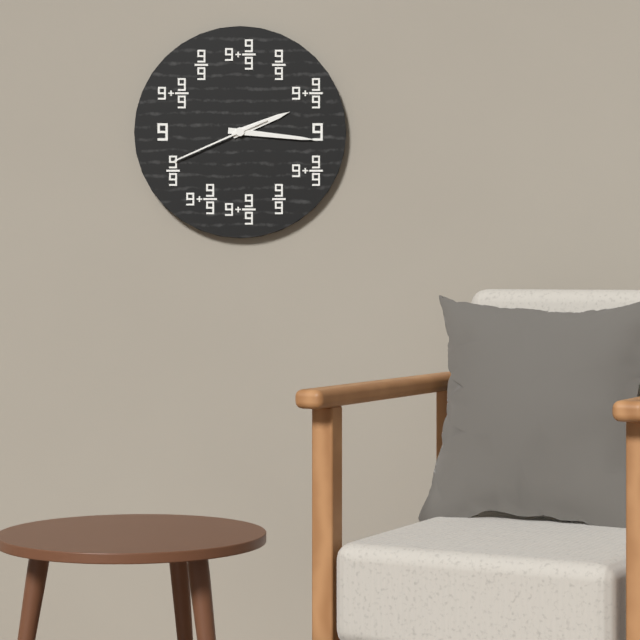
2.16.41
